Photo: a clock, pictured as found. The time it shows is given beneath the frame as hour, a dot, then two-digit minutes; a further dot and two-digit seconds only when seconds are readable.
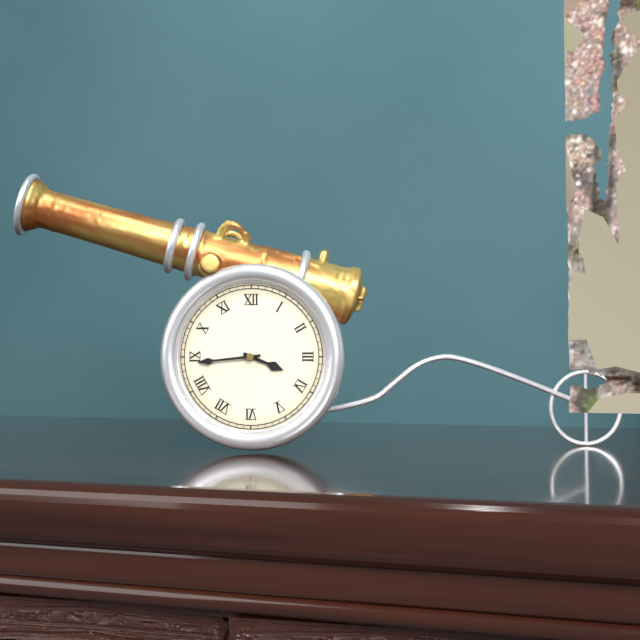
3.44
